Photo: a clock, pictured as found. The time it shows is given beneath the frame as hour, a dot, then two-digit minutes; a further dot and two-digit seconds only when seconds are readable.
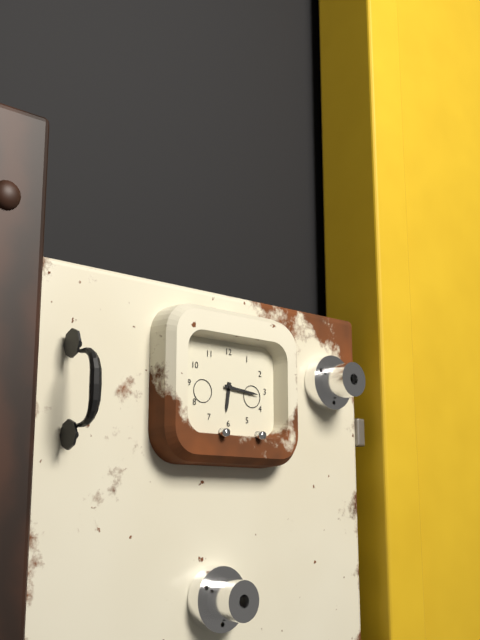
6.16
